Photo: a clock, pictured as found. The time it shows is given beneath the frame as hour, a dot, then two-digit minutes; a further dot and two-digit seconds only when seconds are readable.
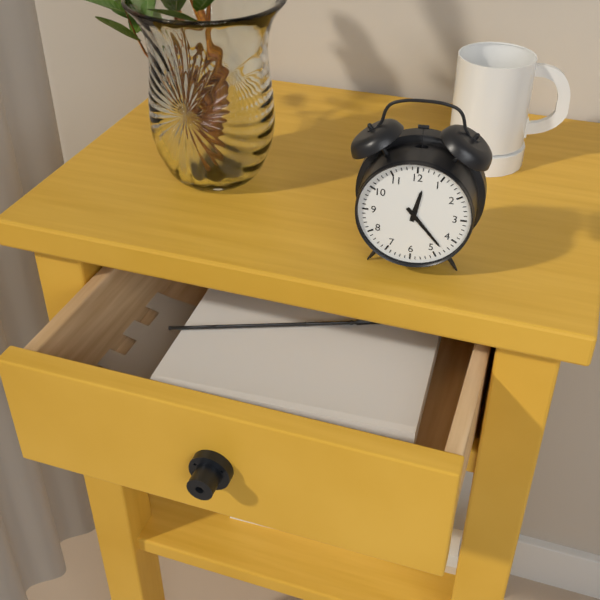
12.23
